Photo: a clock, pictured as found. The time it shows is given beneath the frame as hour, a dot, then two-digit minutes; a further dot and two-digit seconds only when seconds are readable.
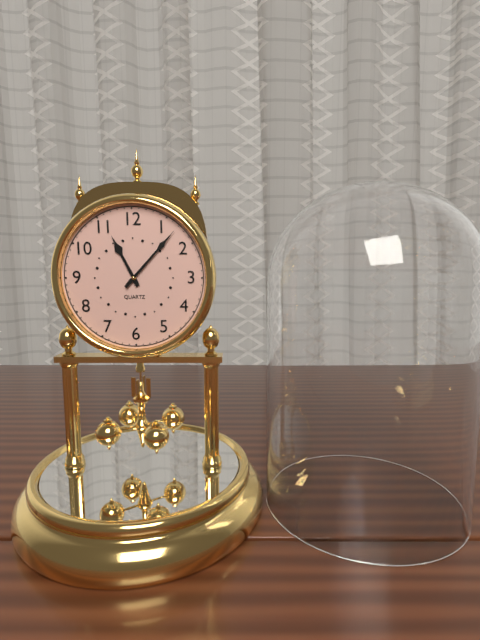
11.07
